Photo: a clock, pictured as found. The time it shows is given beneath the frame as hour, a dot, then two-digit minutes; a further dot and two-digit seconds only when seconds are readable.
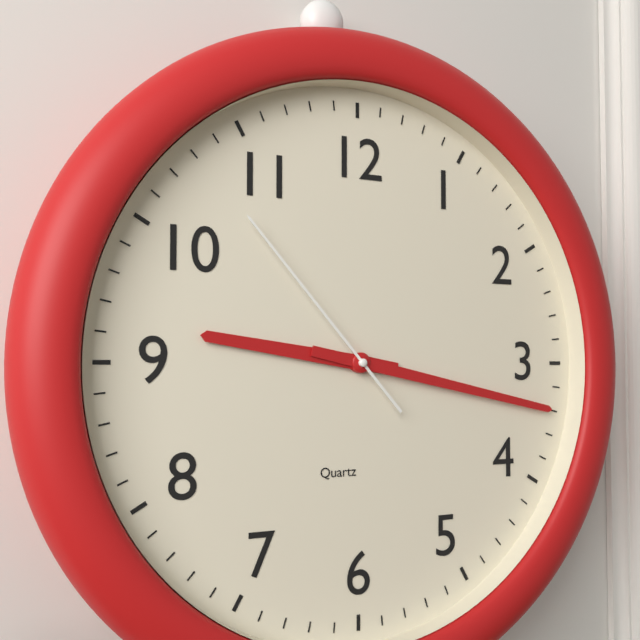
9.17.53
